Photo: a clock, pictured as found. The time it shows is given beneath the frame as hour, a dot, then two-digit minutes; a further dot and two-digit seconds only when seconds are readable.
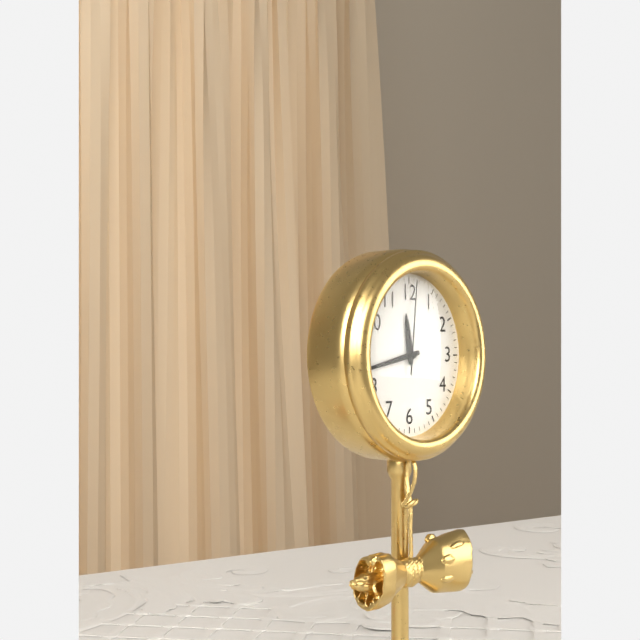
11.43.01
